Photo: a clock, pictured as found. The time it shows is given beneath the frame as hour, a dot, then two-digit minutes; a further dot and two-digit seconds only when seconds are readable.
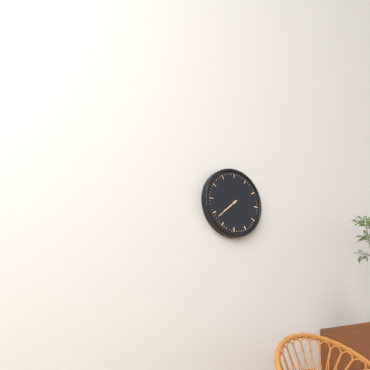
7.38
